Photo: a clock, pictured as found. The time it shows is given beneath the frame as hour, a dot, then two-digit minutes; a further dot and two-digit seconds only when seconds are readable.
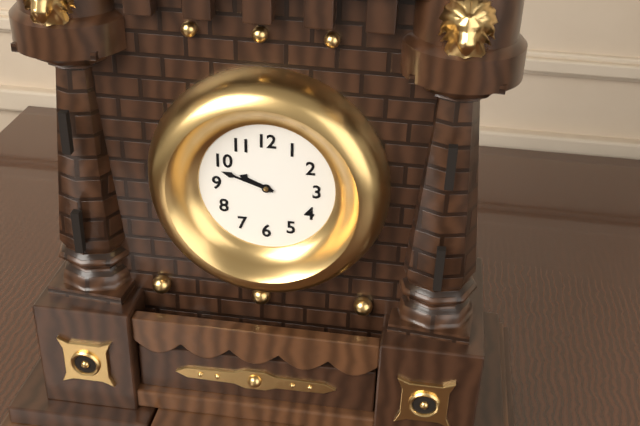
9.48
